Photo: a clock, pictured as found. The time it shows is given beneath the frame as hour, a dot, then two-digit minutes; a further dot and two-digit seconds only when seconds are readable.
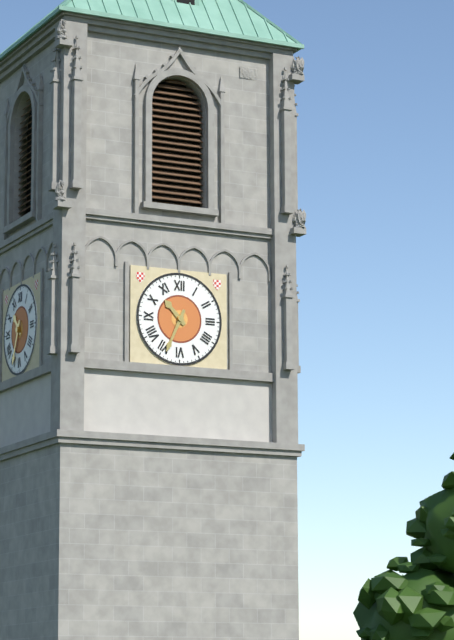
10.34
